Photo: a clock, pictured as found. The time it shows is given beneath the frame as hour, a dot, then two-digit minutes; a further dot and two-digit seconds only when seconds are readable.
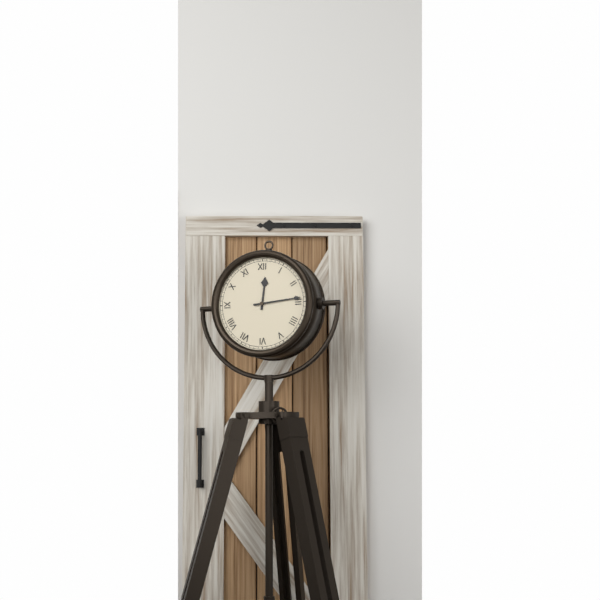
12.14
